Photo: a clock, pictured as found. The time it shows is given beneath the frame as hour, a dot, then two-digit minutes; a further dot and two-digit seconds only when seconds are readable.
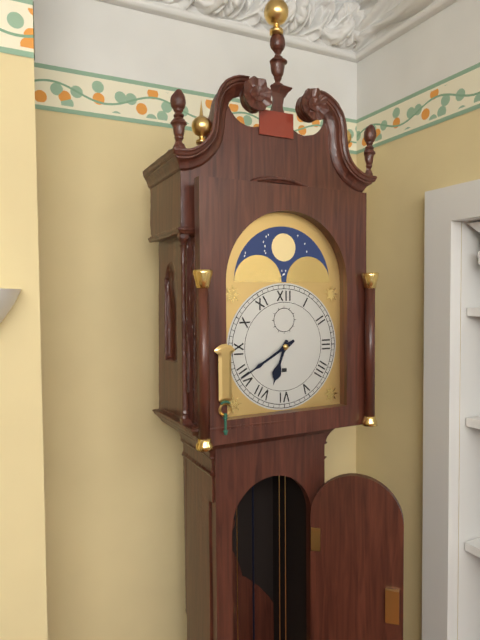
6.40
